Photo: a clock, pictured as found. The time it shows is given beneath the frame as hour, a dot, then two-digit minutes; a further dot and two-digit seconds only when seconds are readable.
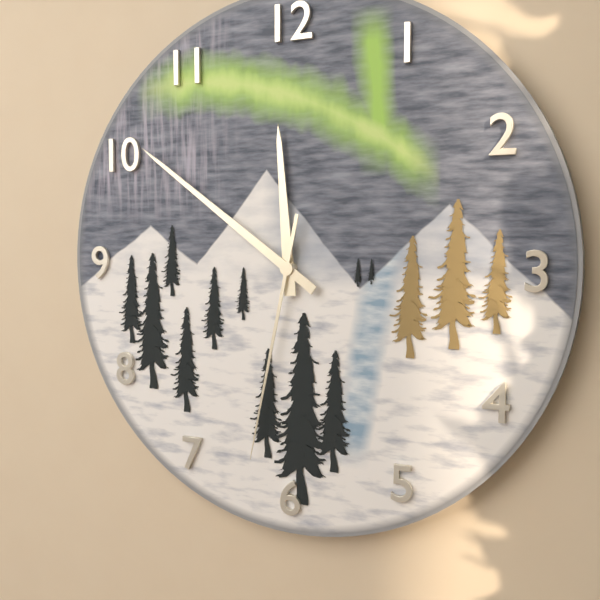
11.51.32
